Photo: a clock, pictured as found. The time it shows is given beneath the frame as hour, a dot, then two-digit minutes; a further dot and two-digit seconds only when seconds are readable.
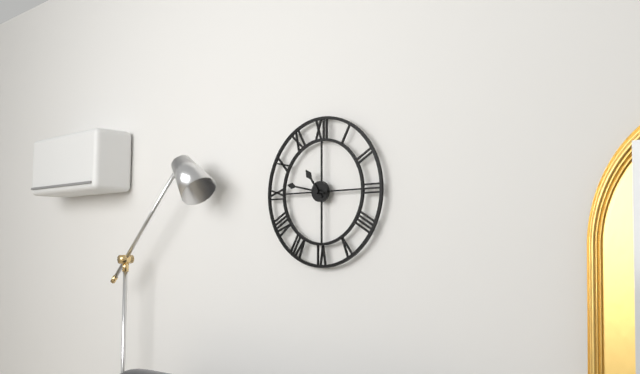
10.47
